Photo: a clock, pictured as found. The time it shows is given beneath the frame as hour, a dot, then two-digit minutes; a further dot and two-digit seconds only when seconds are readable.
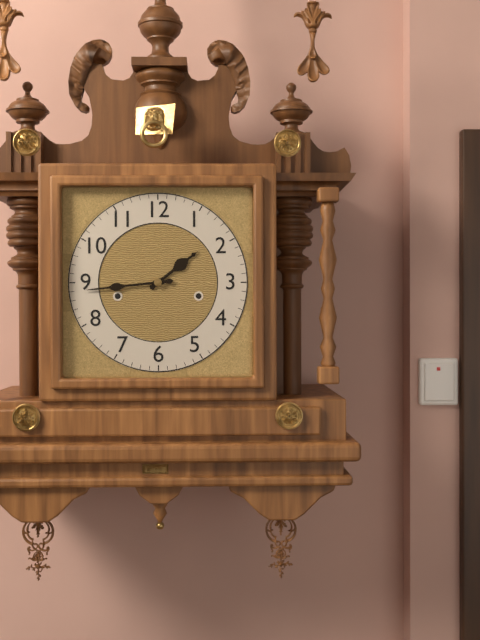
1.44
